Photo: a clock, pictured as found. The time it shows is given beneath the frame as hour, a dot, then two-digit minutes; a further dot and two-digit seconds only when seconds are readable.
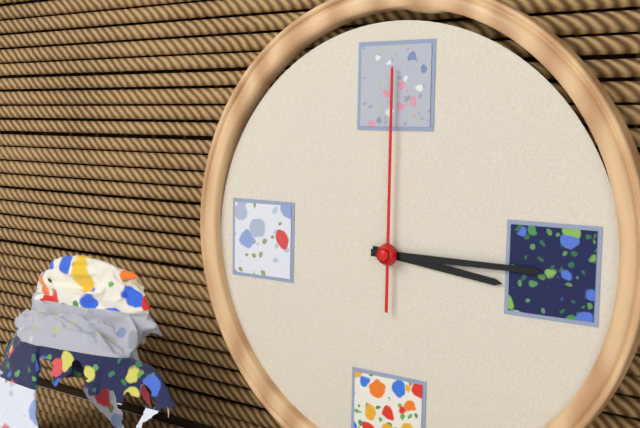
3.15.00
